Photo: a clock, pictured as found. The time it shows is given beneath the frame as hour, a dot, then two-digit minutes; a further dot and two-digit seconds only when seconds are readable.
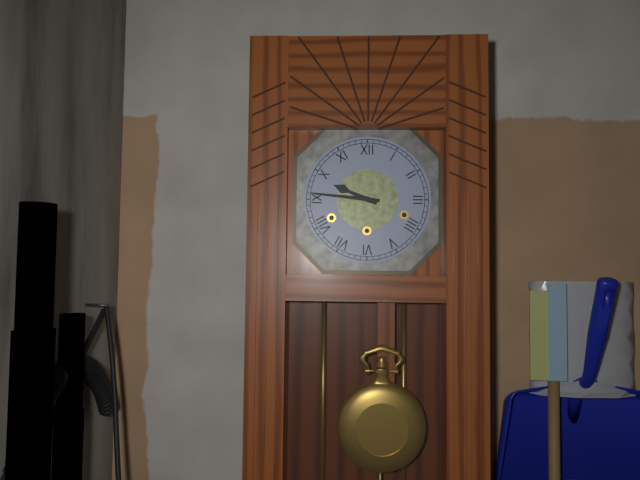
9.46
